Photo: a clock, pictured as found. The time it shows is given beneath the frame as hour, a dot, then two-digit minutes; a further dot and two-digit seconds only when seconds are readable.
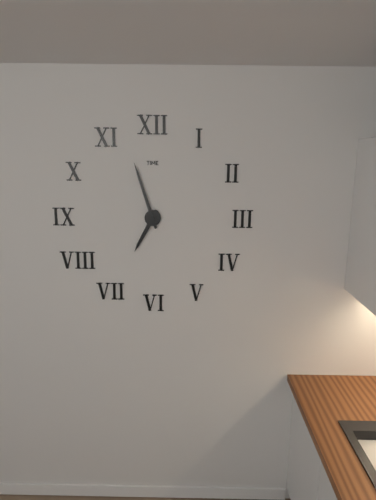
6.57
